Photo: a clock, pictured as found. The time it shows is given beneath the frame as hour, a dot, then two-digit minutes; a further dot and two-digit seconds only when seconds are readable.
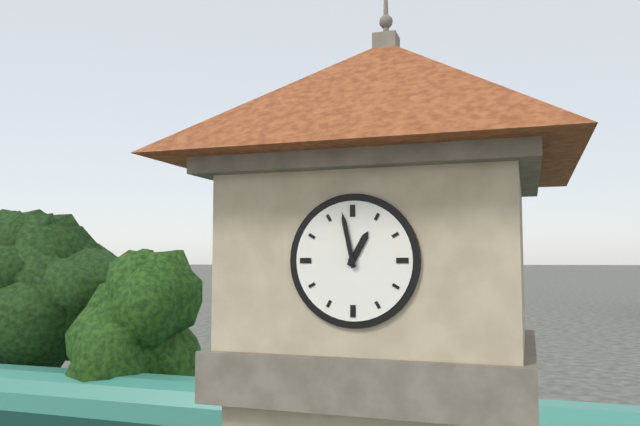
12.58
